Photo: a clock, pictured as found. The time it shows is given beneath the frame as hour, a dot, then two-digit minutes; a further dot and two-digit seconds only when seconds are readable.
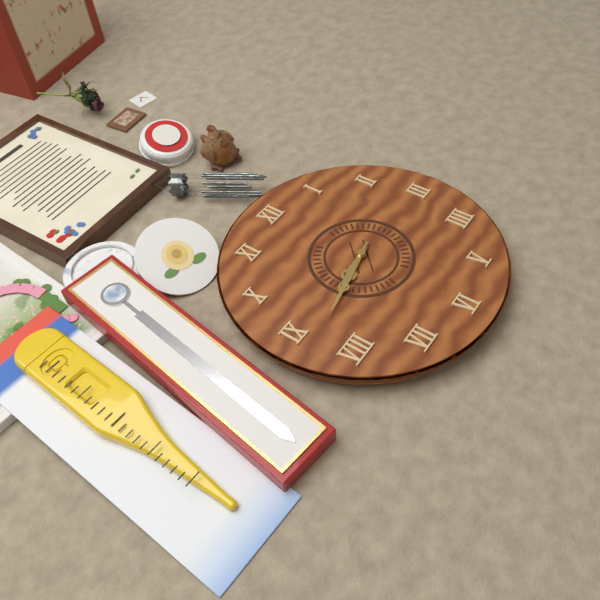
8.43
